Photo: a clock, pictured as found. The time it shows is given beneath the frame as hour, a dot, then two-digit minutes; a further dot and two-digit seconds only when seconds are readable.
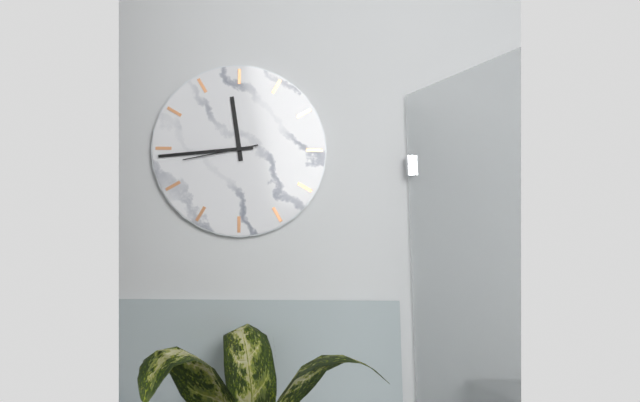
11.44.43
